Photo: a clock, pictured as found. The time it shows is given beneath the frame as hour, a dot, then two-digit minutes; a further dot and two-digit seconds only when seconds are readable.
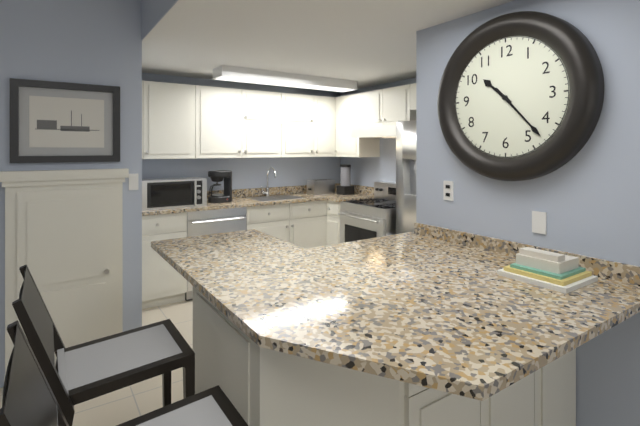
10.23
